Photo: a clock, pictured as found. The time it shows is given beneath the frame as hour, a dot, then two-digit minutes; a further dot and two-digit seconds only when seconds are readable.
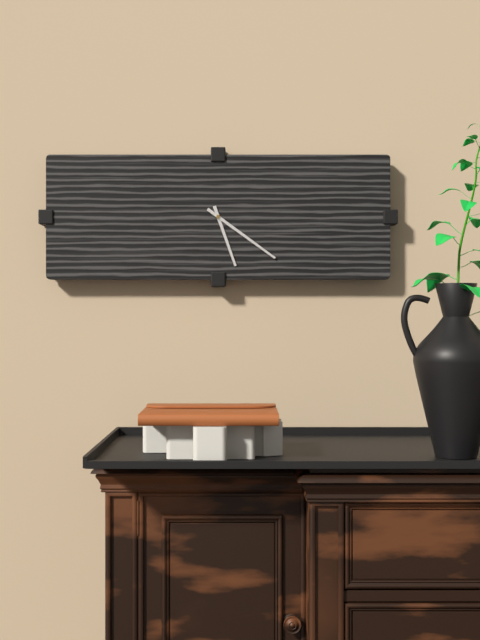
5.21
